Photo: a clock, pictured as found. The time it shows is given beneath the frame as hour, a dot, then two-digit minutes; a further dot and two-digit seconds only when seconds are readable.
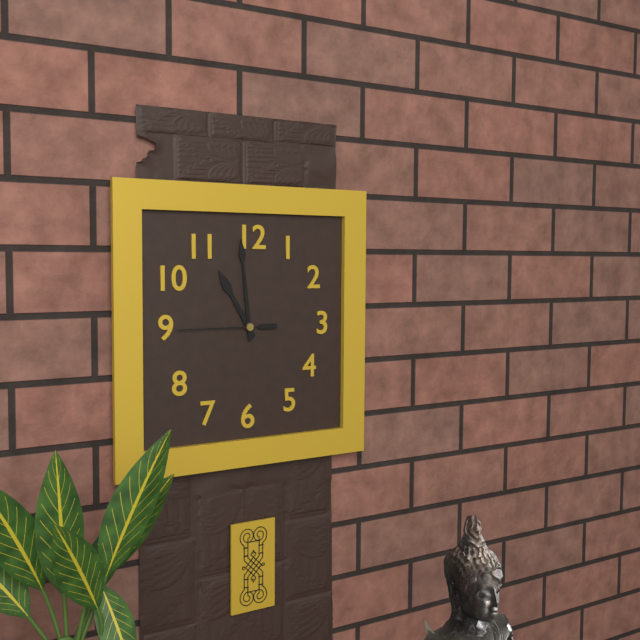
10.59.45
